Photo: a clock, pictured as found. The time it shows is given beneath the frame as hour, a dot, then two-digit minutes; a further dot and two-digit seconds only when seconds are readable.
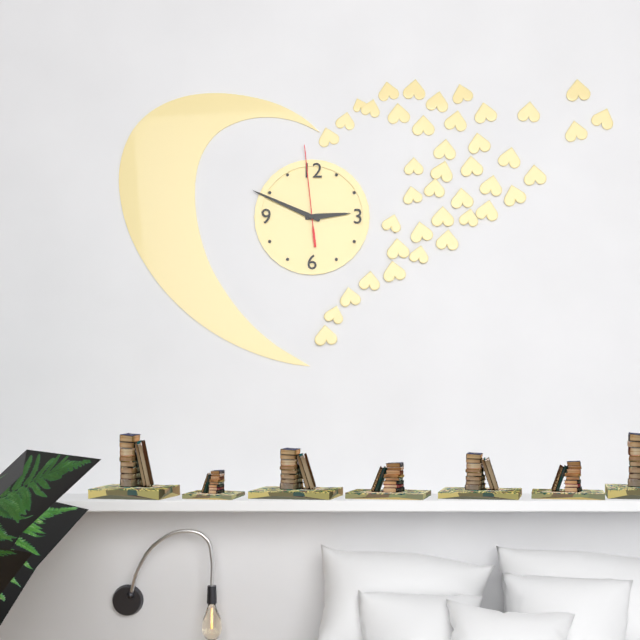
2.49.59
